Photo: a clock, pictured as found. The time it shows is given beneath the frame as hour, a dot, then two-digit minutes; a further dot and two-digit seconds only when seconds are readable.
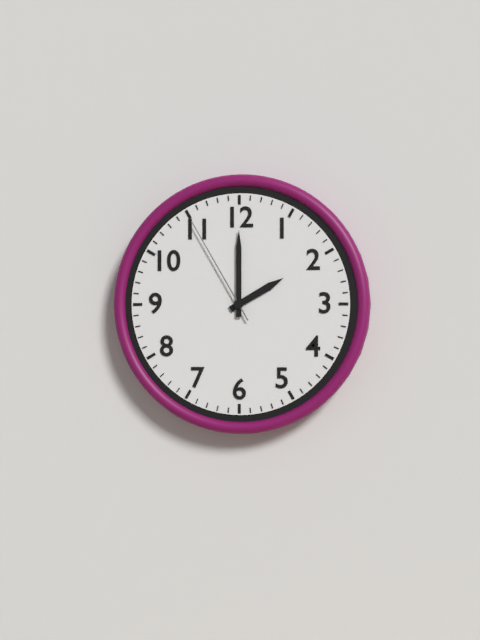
2.00.55
